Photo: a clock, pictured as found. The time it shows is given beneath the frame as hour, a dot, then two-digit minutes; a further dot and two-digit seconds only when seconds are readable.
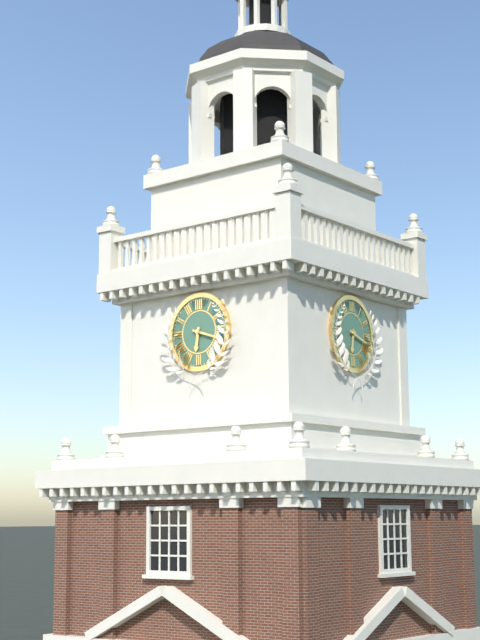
6.18
